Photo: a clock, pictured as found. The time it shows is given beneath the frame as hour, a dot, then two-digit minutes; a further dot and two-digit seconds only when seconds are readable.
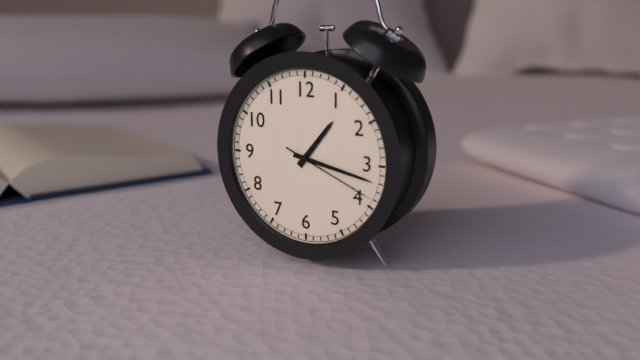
1.17.19
